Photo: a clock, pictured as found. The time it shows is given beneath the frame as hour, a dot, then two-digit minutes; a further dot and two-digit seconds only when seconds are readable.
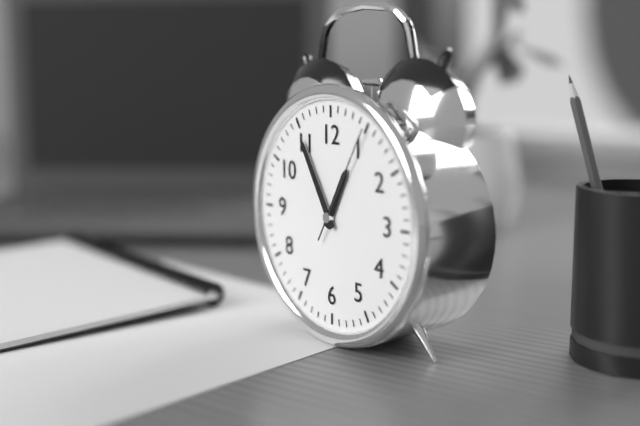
12.55.05
